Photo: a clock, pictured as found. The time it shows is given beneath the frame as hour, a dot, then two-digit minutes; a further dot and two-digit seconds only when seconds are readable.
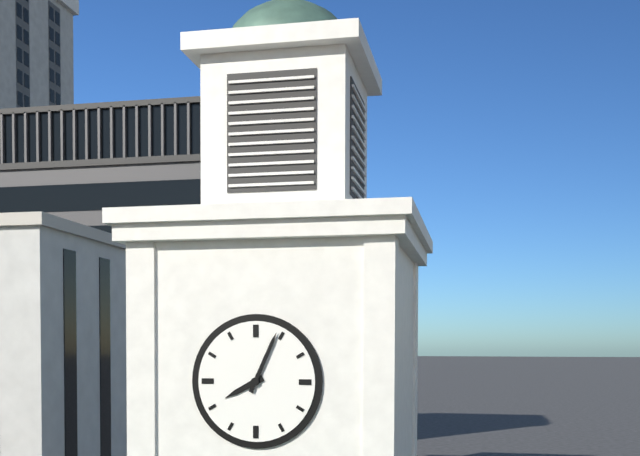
8.04
